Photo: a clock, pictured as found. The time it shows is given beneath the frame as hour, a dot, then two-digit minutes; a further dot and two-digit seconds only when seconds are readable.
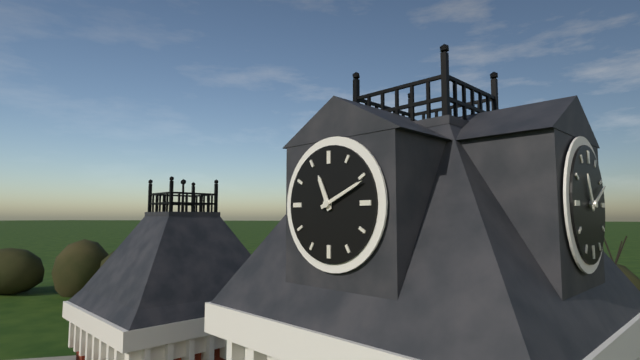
11.11
